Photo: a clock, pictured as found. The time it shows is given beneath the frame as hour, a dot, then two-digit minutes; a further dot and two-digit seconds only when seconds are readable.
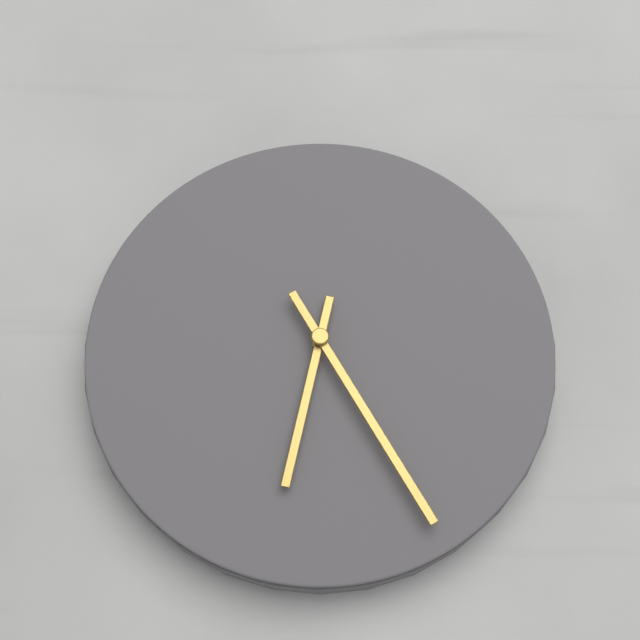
6.25
